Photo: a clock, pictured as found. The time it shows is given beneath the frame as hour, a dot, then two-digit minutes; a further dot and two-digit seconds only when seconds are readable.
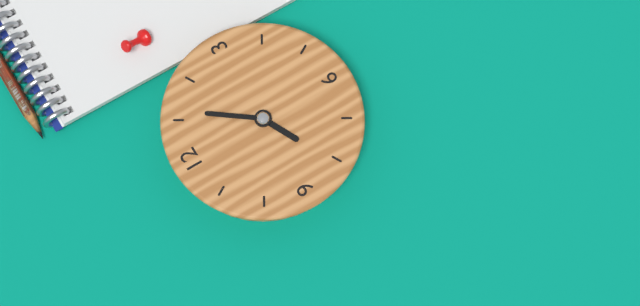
8.06
